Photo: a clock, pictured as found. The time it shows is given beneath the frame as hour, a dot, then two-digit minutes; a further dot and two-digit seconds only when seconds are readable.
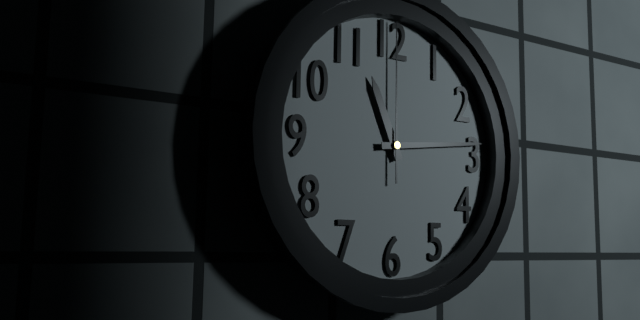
11.14.00
